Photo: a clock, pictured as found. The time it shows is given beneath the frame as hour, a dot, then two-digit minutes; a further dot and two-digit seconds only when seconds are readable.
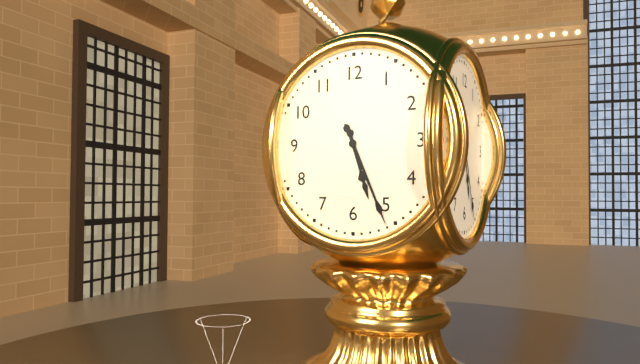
5.26
